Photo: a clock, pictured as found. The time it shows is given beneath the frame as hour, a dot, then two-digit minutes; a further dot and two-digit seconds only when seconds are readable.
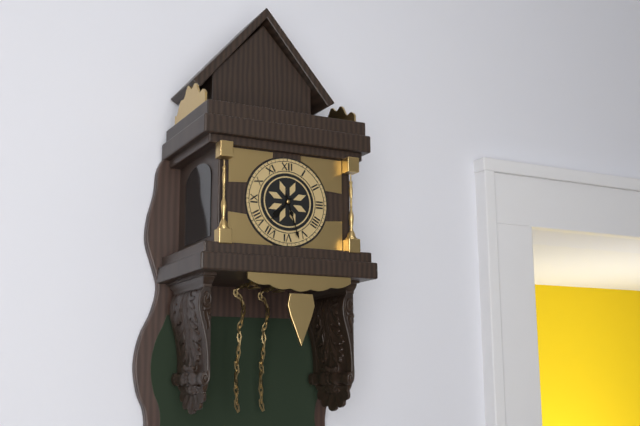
7.27
